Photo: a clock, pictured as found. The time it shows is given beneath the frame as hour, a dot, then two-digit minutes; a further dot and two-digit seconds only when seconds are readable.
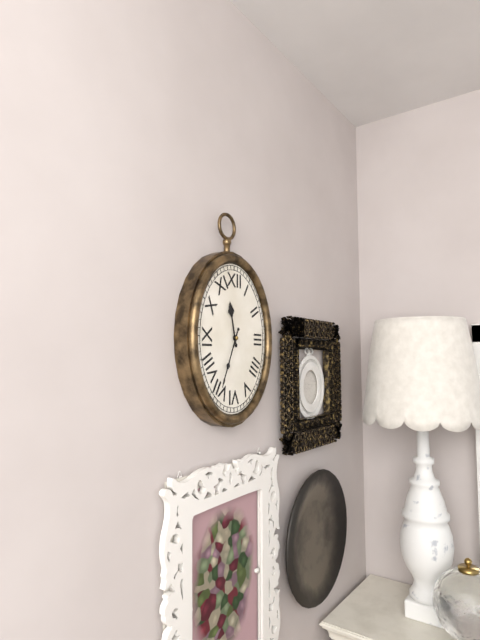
11.34
